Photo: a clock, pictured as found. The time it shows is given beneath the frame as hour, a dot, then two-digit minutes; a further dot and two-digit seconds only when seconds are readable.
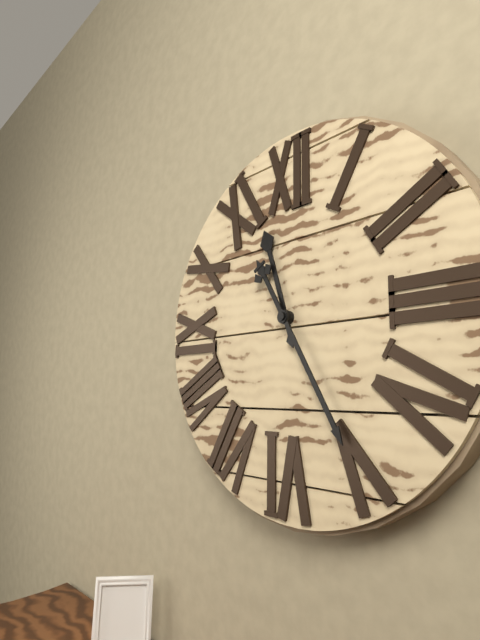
11.25
